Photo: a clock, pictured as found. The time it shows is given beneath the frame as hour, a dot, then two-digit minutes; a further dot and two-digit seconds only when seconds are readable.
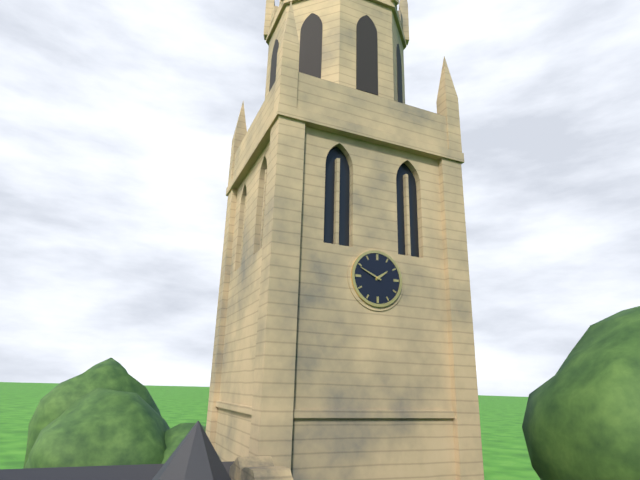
1.49
